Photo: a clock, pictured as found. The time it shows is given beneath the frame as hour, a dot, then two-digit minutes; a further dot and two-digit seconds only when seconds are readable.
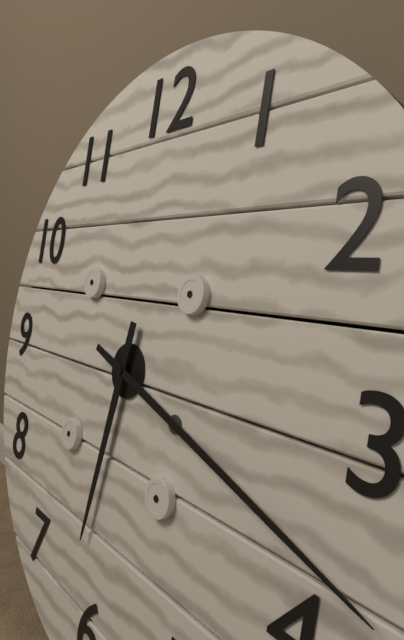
6.18
